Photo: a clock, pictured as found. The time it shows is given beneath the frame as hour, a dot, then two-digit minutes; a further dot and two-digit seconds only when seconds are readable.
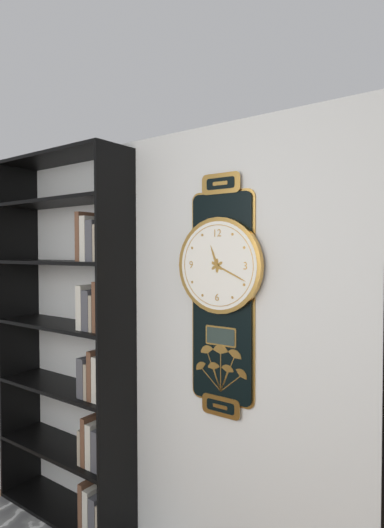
11.19
